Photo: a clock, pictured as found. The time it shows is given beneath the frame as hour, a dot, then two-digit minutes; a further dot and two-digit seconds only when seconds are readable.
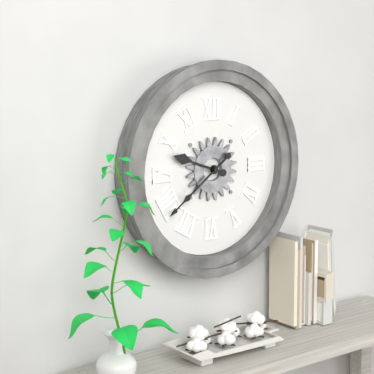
9.39
